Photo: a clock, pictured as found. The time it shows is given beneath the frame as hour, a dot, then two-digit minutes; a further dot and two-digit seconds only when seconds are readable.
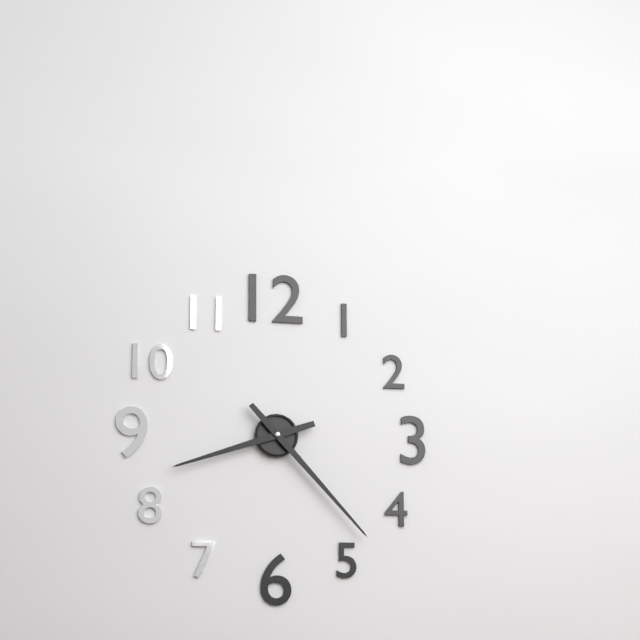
8.23
